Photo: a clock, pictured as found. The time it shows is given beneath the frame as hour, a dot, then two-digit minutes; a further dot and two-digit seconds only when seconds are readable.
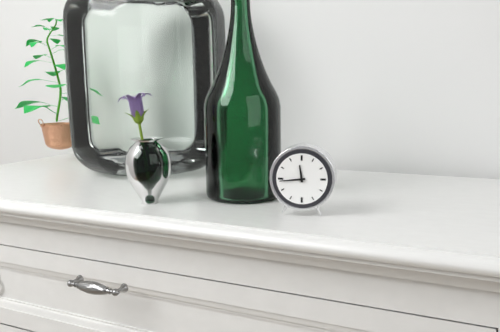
11.44
